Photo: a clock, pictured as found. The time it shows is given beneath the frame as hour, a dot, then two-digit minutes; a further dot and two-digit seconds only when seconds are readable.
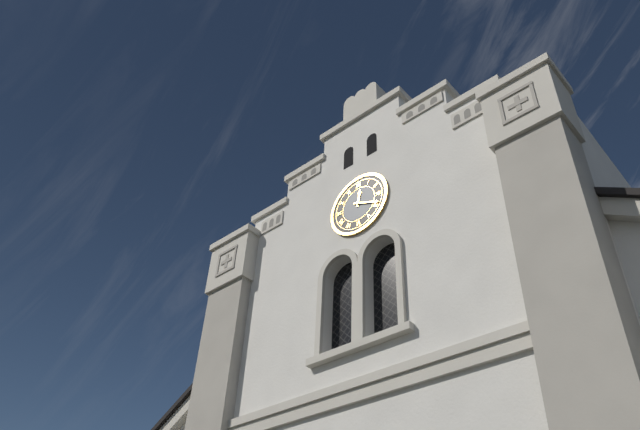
12.19
